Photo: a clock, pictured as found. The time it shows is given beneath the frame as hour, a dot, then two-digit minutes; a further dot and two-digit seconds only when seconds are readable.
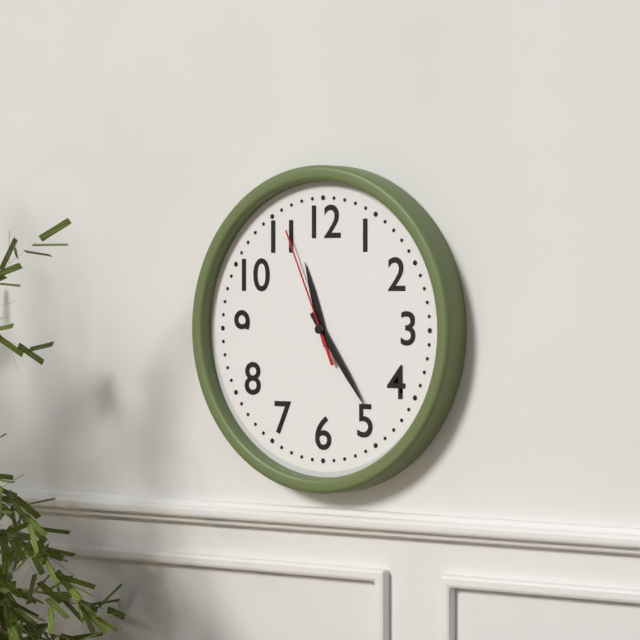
11.24.56
